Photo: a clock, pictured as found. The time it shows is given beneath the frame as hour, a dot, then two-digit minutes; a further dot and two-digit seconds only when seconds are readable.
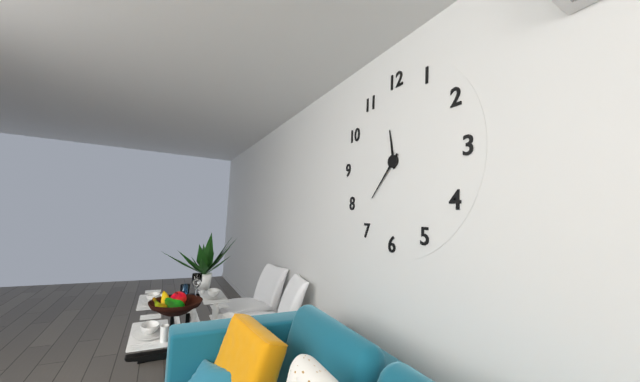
11.37
